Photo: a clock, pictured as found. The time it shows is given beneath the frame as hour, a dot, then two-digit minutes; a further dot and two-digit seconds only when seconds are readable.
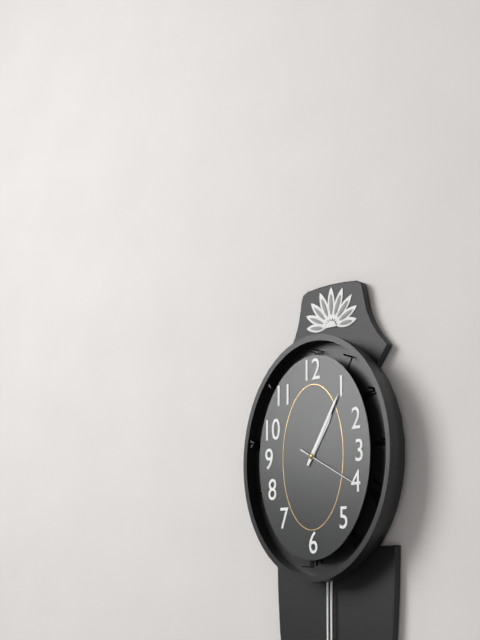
1.05.20
